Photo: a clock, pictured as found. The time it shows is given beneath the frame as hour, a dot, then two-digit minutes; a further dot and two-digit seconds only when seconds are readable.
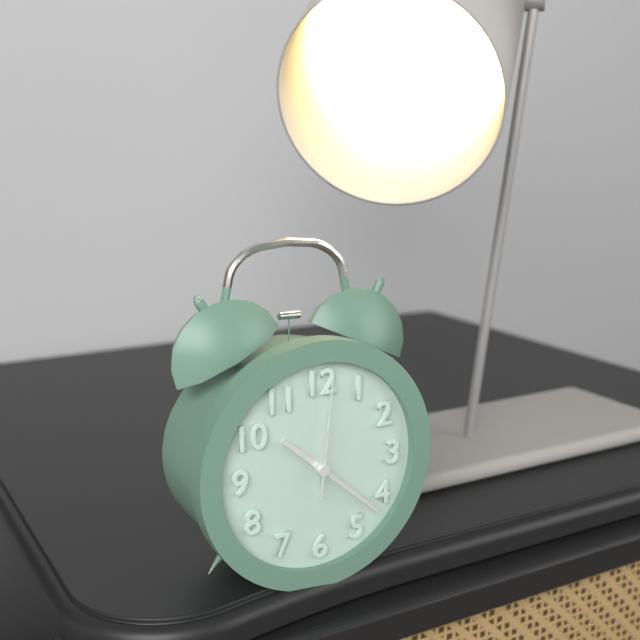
10.22.01
